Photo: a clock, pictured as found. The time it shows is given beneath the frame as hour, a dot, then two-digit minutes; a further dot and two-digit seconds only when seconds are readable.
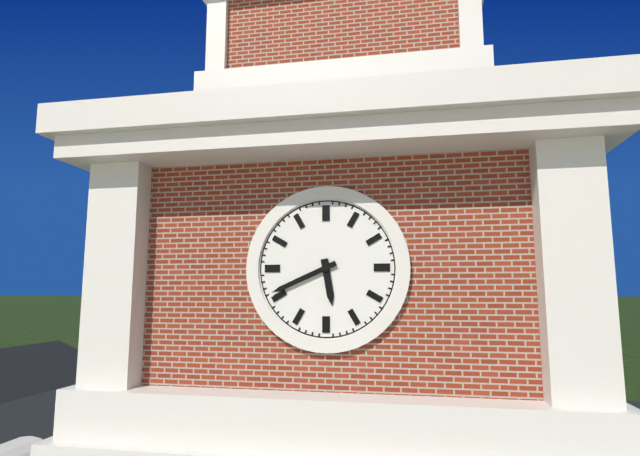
5.41
